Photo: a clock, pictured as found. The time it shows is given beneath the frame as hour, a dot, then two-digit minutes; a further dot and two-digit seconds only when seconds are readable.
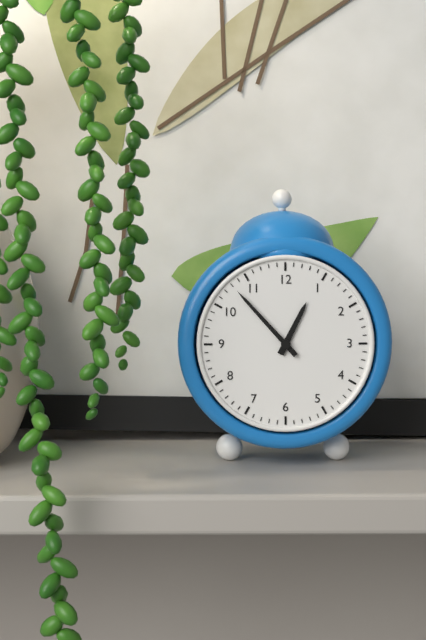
12.53
